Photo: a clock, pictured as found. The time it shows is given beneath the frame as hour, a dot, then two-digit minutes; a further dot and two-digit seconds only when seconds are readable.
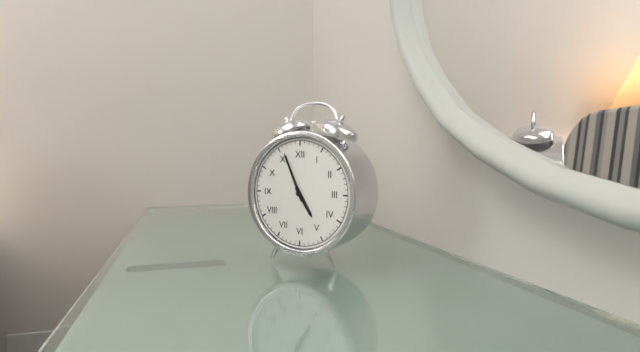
4.56
